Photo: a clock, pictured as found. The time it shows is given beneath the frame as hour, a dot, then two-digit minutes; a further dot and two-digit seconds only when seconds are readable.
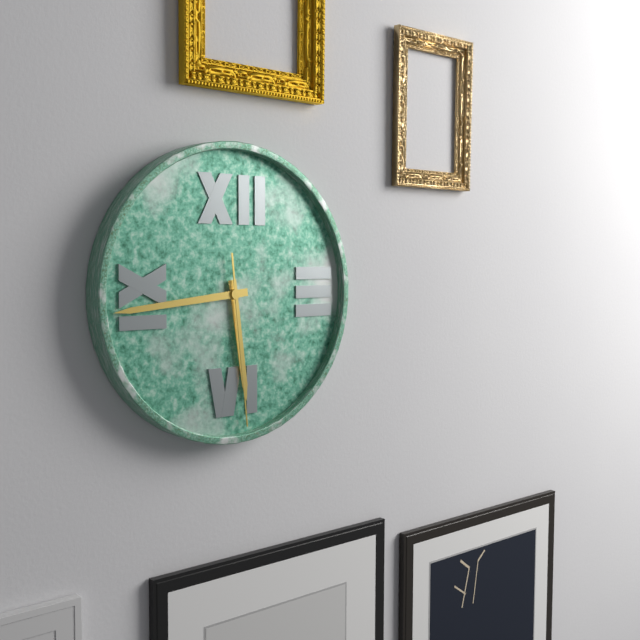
5.44.29
